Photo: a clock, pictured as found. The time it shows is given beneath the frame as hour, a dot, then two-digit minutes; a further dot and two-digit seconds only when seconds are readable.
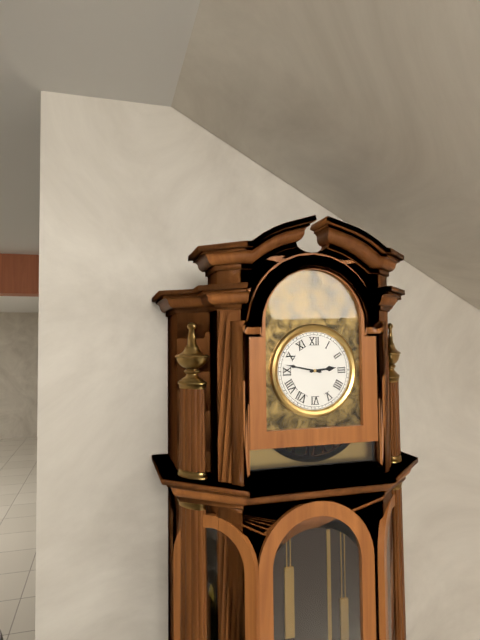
2.47
